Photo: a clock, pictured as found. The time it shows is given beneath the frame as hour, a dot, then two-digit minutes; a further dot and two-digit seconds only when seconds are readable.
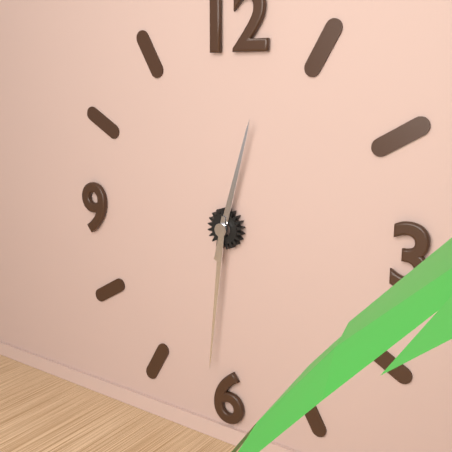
12.31
